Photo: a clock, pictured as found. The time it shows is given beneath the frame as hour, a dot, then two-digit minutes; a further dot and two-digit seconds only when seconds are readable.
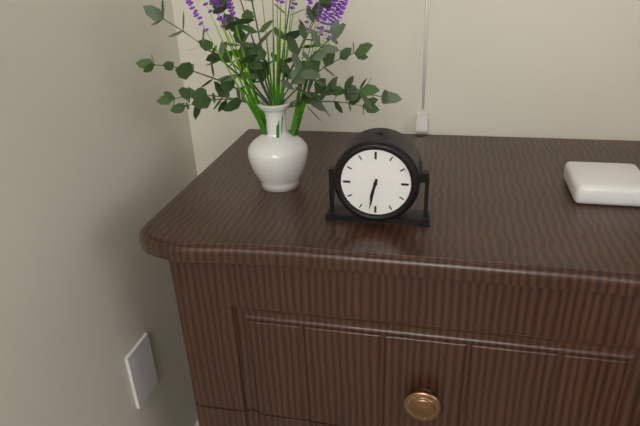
6.32
